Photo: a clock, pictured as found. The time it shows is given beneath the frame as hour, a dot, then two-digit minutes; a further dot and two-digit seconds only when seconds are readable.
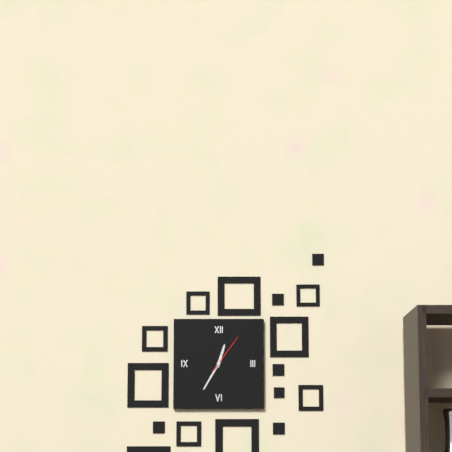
12.35
